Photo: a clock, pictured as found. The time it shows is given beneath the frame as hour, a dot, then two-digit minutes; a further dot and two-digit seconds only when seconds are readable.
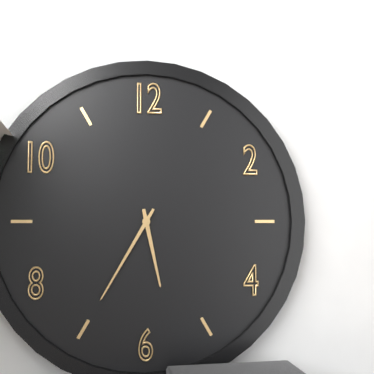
5.35
